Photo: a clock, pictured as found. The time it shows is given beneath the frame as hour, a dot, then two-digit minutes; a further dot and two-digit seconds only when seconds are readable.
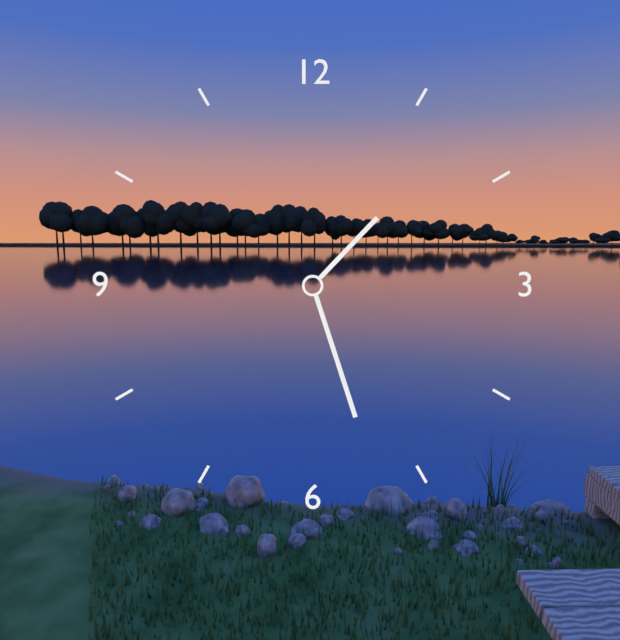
1.27
